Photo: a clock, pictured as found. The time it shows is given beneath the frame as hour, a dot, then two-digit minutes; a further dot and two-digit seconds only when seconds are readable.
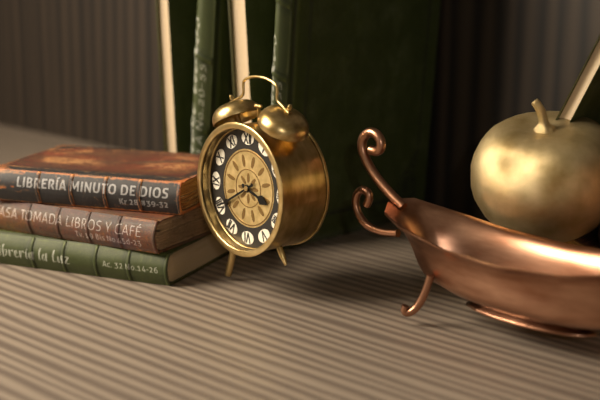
3.40
